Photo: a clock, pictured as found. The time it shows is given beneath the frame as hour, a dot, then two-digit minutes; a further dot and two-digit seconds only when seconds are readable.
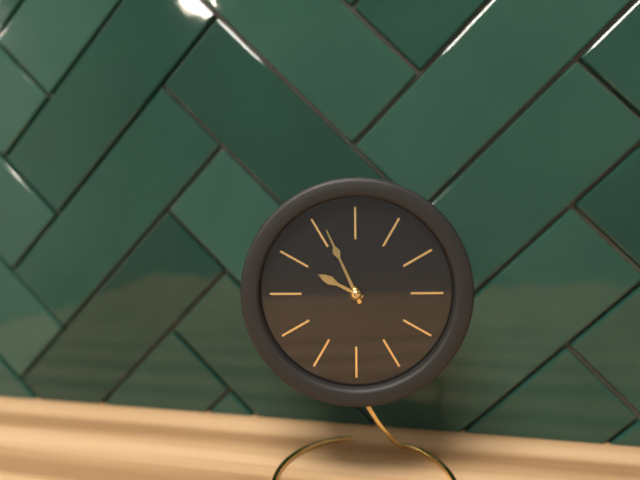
9.56
